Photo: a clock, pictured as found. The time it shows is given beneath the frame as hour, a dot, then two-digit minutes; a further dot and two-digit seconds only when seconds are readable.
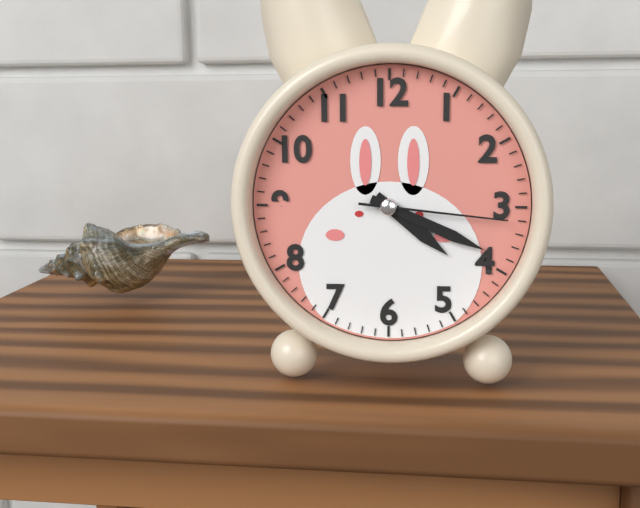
4.19.16
